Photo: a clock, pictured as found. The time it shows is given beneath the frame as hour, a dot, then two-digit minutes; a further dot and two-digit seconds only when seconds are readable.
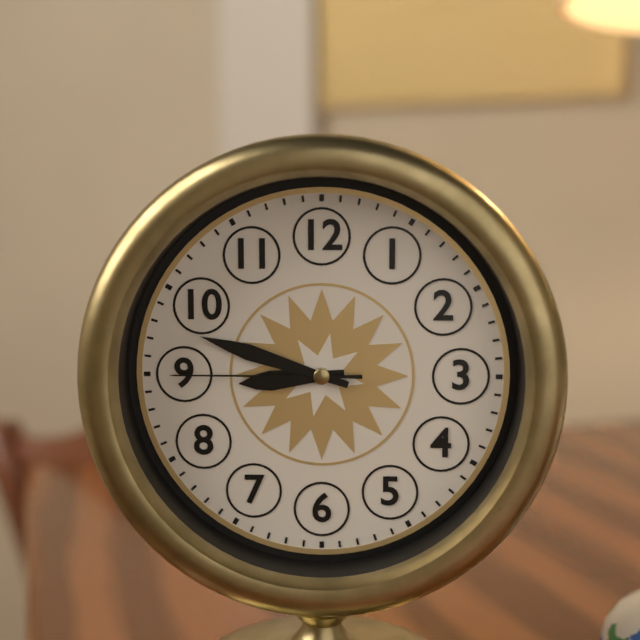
8.48.45
